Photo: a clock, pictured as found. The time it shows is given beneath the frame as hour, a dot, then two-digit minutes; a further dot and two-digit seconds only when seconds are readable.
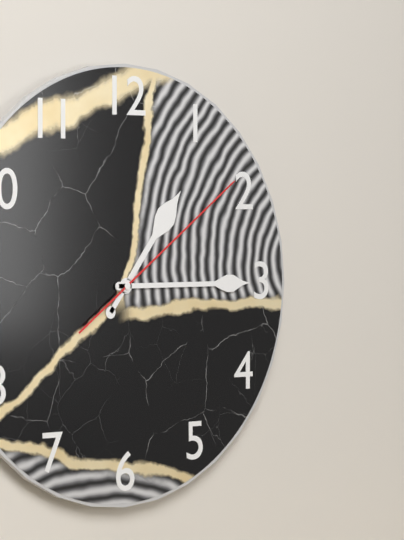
1.15.09
